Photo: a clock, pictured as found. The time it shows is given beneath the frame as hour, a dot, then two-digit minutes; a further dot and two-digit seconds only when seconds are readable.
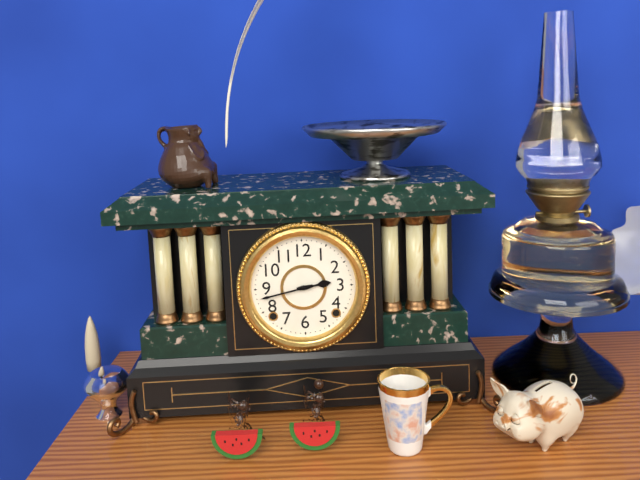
2.43
